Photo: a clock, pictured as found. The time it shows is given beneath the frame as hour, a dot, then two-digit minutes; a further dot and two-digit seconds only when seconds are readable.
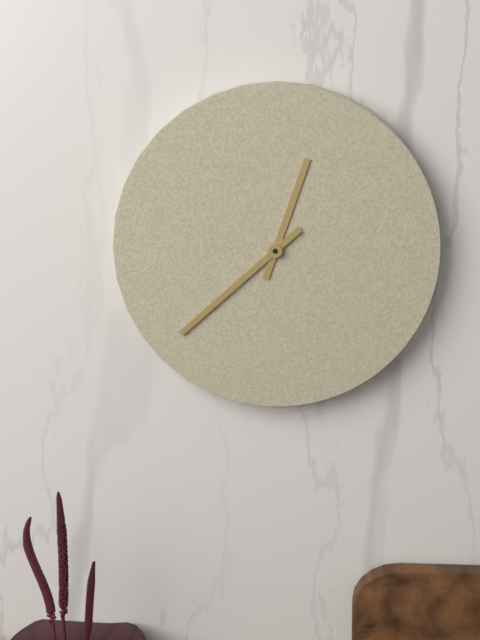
12.38
